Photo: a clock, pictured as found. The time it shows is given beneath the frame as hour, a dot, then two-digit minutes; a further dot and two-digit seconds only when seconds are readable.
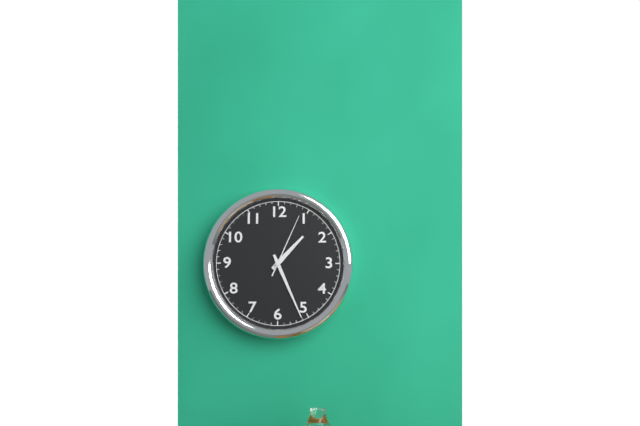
1.26.04
